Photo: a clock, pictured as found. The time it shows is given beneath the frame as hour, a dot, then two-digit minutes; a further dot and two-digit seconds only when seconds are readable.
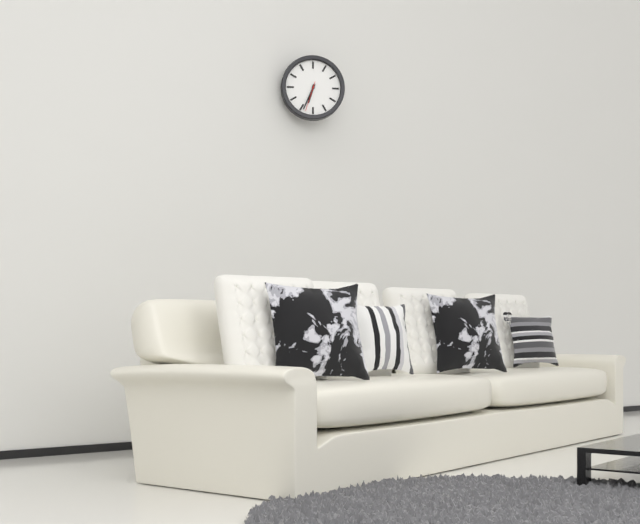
6.34
